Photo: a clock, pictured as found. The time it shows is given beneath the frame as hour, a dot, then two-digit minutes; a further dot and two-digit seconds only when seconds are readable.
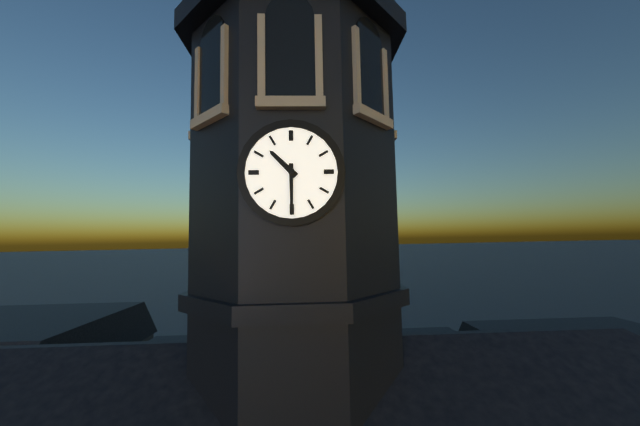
10.30
